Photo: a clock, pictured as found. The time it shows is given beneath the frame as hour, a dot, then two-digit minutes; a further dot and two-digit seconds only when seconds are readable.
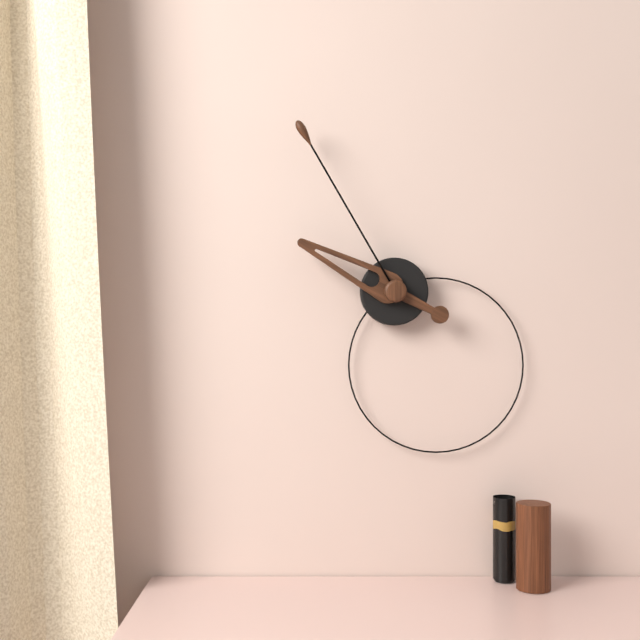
9.55
